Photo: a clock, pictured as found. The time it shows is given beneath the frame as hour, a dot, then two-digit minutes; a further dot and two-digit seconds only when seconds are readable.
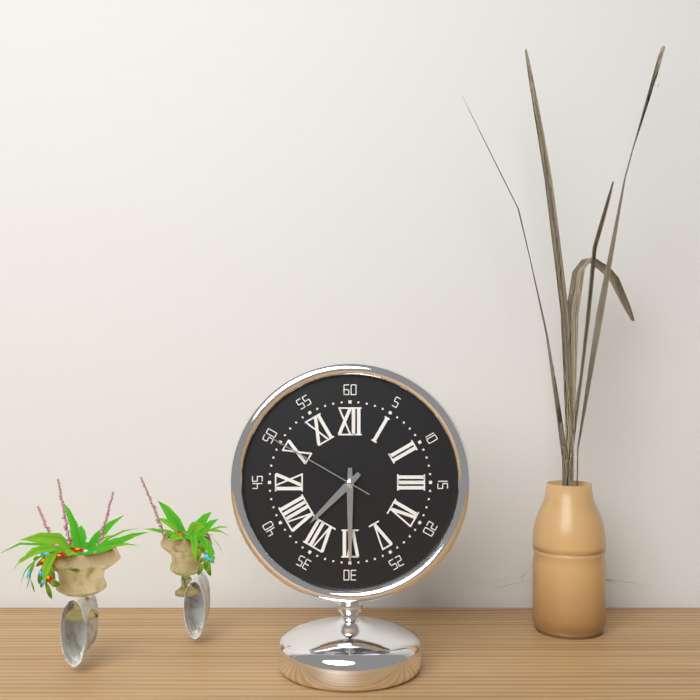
7.30.50
